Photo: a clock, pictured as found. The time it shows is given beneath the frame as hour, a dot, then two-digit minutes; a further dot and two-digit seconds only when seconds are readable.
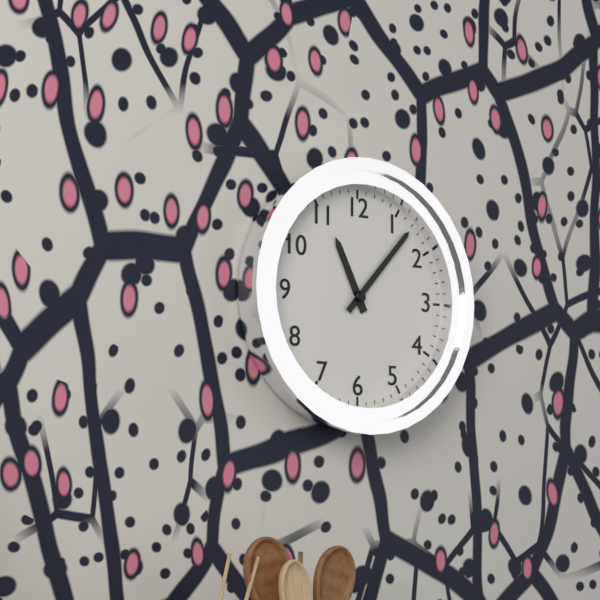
11.07
